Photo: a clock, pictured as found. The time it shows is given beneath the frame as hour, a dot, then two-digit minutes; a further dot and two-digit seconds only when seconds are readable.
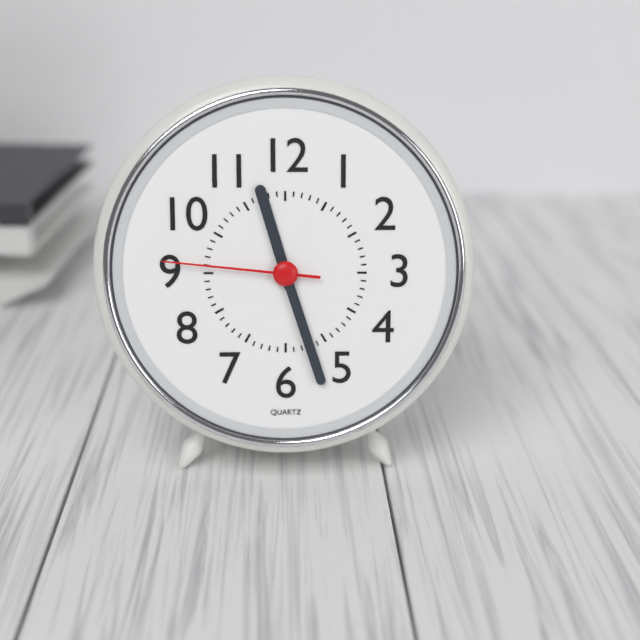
11.27.46
